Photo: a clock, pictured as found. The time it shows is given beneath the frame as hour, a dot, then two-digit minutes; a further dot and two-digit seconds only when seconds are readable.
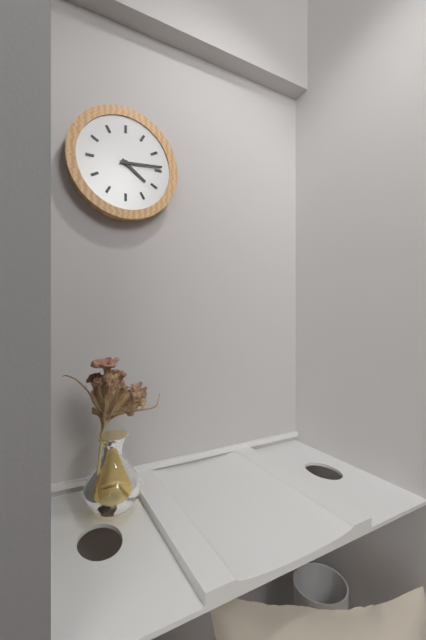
4.14
